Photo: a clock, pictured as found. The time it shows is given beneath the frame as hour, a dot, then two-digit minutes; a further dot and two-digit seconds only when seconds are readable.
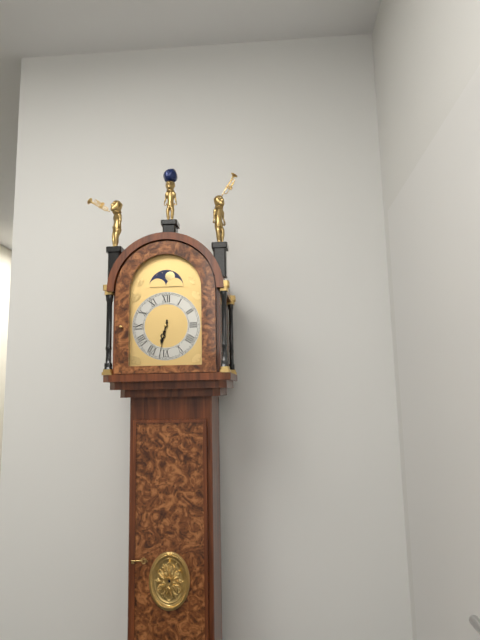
6.32
